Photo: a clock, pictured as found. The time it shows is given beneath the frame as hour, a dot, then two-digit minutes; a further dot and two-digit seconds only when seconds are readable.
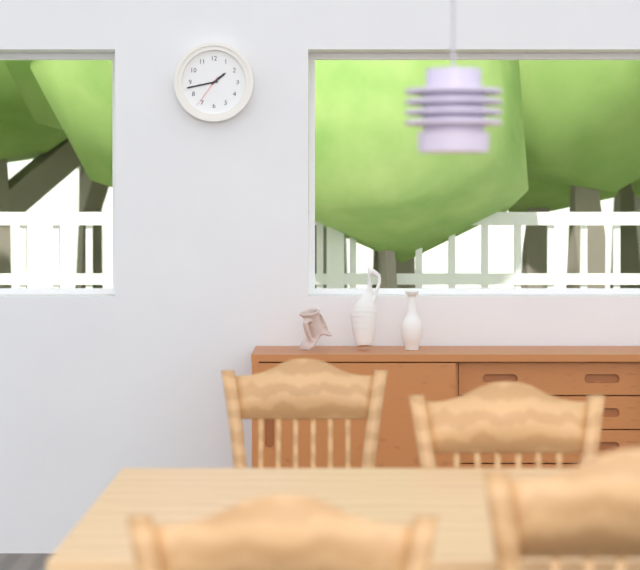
1.43
